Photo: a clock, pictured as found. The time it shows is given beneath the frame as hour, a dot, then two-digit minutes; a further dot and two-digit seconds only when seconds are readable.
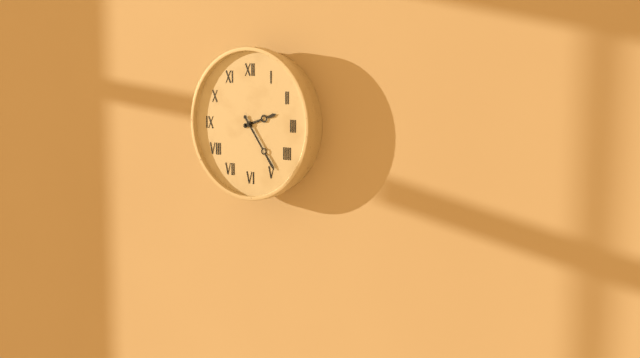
2.24
